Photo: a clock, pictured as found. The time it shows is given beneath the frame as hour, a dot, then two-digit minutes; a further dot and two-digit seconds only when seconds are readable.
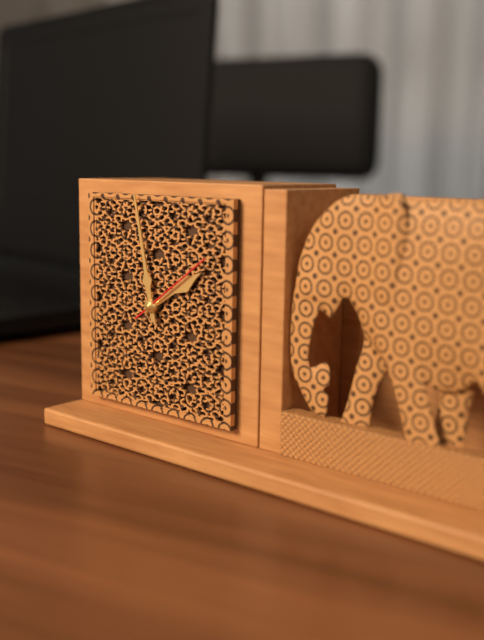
1.58.09
